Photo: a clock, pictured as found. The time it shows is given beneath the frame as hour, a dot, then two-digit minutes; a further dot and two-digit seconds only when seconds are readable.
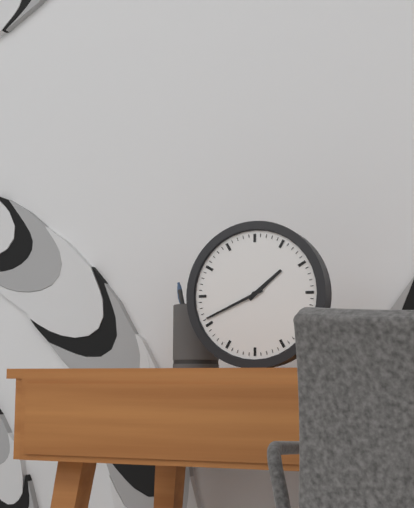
1.41
